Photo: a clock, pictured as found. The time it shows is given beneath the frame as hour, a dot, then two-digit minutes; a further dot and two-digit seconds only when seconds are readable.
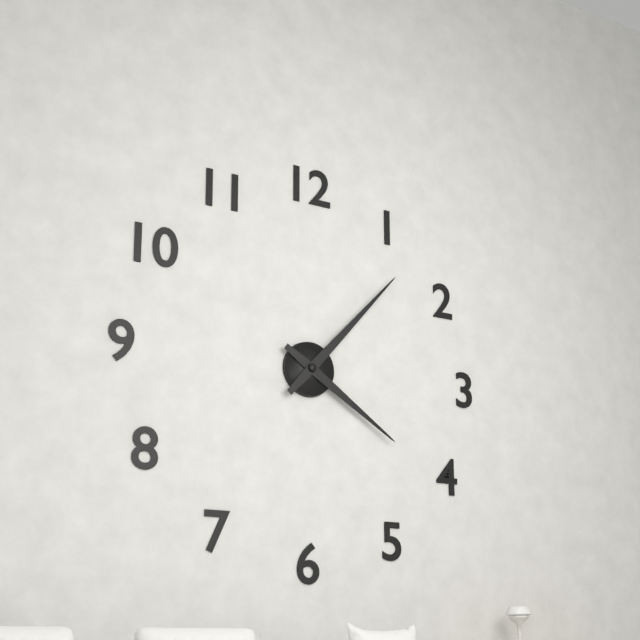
4.07
